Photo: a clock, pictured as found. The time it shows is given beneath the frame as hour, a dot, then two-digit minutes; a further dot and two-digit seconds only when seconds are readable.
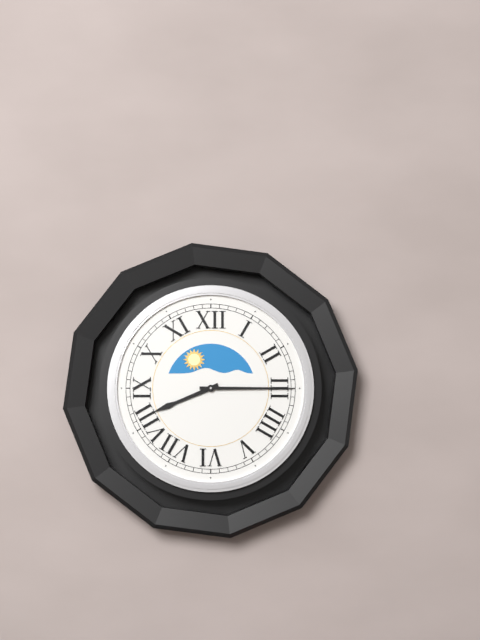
8.15
